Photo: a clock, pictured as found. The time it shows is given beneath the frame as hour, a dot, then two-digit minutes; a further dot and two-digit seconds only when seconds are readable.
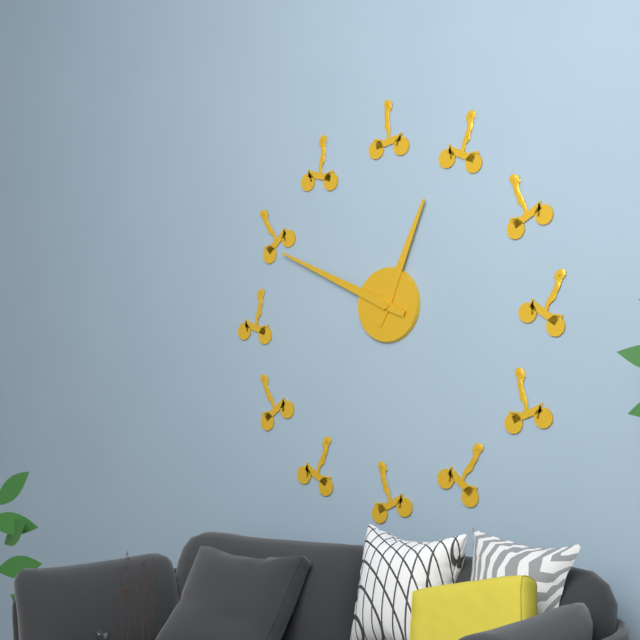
12.49
